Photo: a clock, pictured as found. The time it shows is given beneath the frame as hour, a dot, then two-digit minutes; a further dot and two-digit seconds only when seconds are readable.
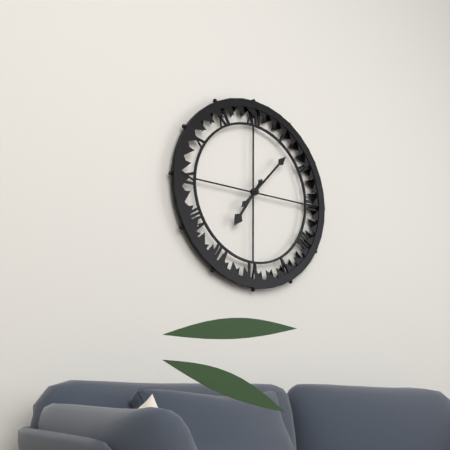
7.07
